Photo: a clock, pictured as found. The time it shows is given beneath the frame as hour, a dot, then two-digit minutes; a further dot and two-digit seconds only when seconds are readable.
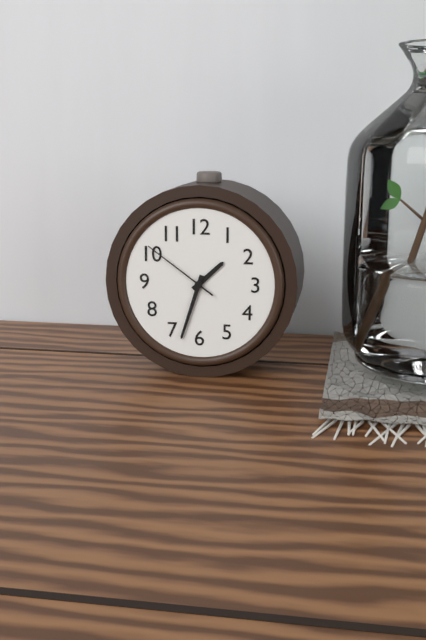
1.33.51
